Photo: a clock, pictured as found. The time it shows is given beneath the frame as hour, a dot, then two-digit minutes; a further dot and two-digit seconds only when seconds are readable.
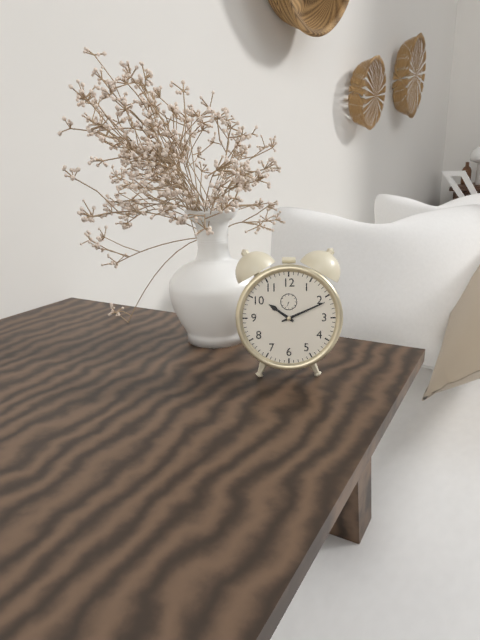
10.11
